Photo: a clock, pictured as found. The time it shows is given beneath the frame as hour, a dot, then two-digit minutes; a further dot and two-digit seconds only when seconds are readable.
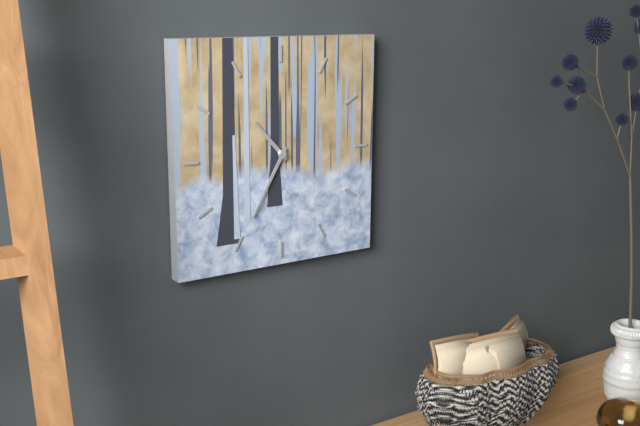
10.35
